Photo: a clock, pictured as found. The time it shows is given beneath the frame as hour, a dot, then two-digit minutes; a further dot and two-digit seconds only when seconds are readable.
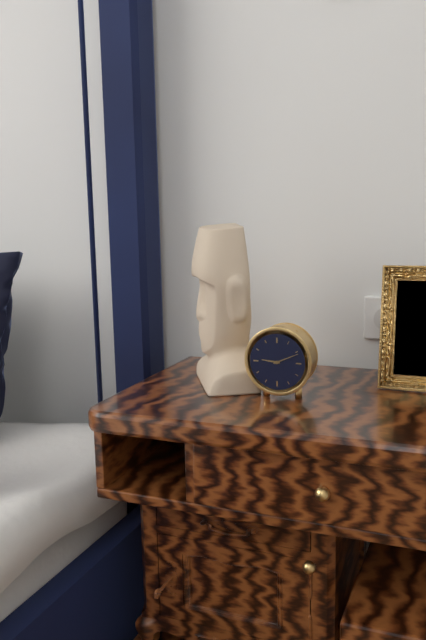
9.11
